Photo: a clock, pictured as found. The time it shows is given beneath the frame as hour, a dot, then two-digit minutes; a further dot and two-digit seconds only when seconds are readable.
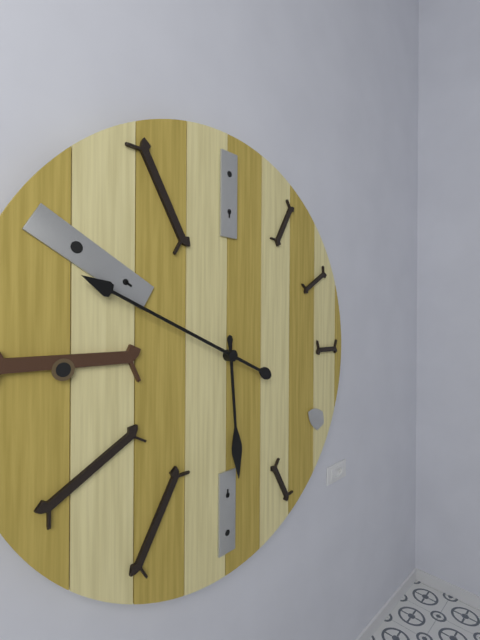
5.49
